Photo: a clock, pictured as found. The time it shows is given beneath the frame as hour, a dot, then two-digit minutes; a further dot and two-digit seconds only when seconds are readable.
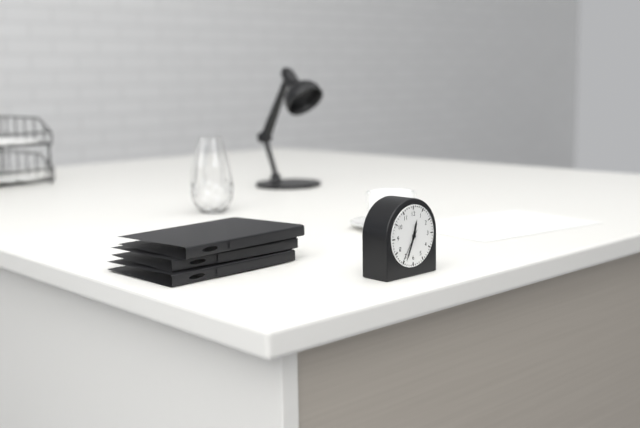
12.34
